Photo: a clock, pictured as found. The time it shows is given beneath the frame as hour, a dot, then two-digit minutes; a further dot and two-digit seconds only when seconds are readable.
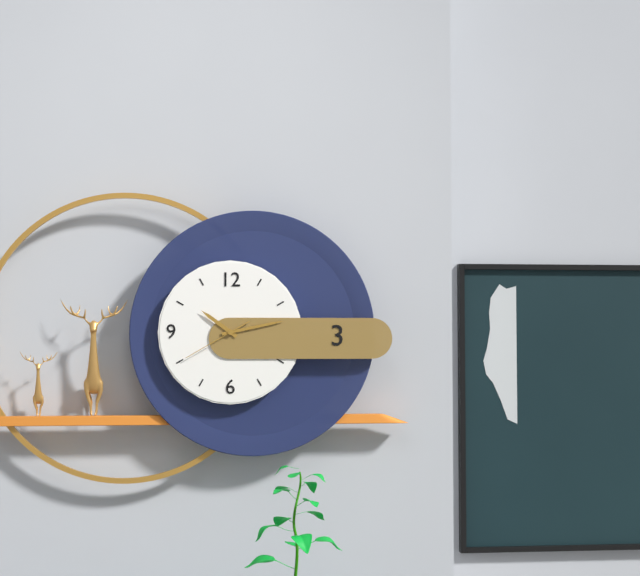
10.13.40
